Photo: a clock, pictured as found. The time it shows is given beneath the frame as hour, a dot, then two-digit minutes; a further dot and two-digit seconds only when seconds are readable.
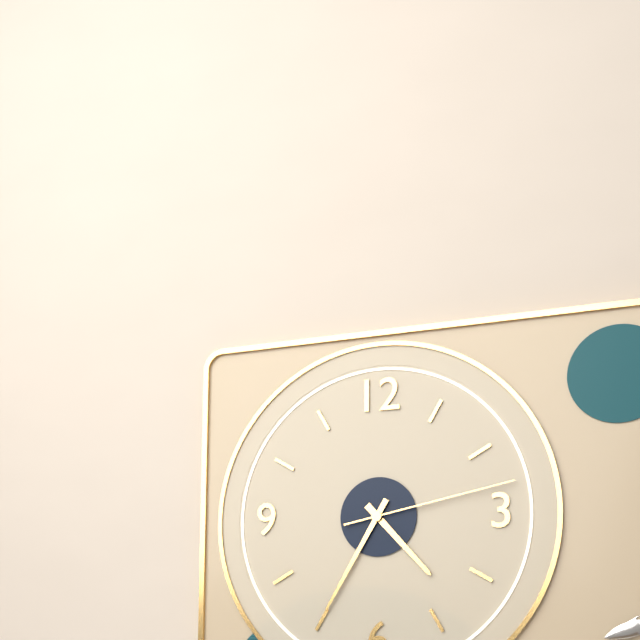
4.35.13
